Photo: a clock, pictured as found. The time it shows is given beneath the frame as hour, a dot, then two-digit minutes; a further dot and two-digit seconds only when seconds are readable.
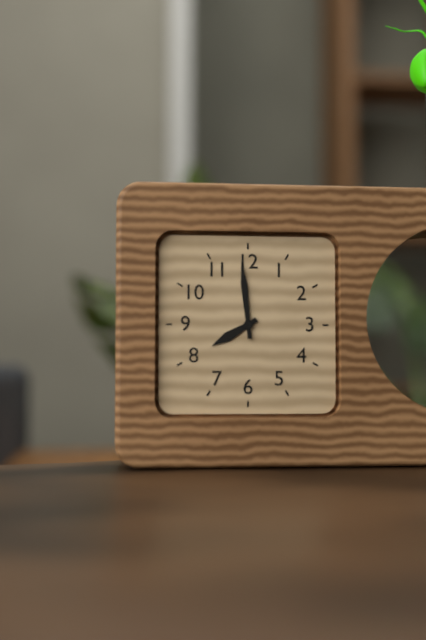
7.59
